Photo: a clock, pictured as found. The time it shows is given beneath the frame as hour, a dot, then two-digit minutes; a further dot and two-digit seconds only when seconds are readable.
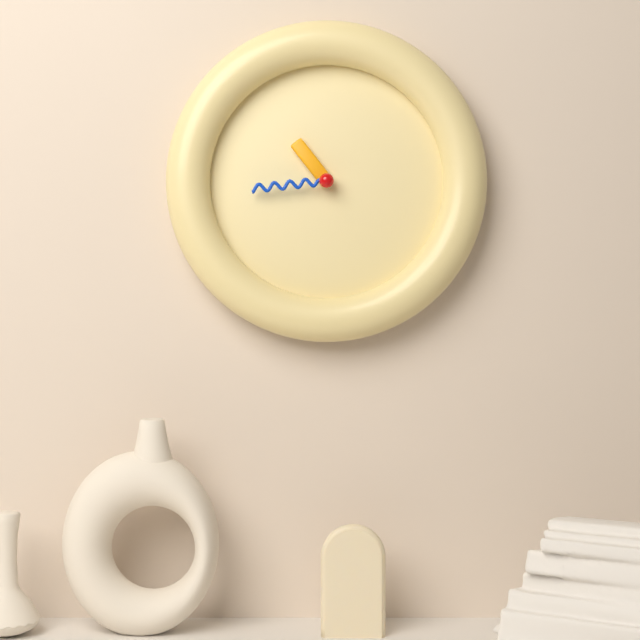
10.44
